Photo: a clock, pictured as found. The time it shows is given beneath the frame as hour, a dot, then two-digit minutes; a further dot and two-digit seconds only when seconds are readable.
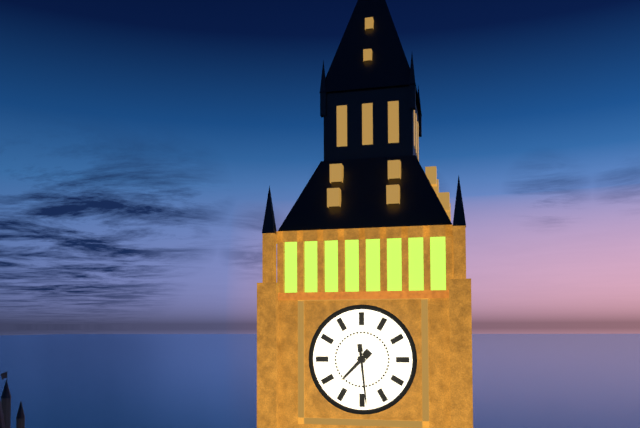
7.29
